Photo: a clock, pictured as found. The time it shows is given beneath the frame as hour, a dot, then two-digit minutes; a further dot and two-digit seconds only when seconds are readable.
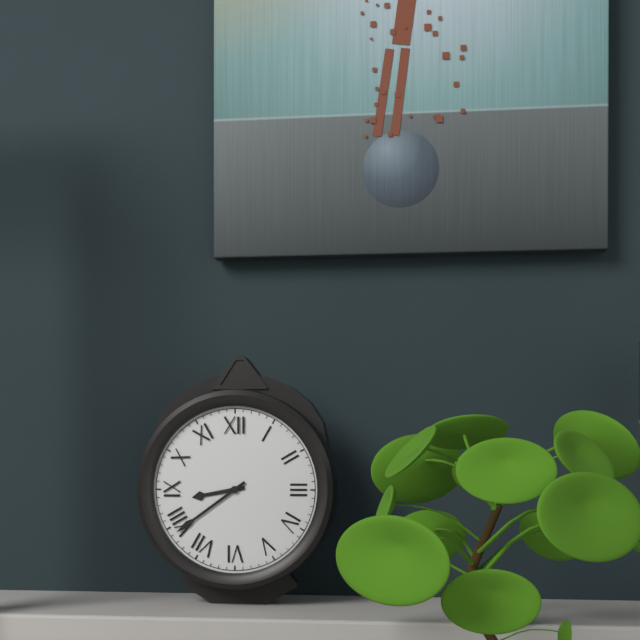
8.39
